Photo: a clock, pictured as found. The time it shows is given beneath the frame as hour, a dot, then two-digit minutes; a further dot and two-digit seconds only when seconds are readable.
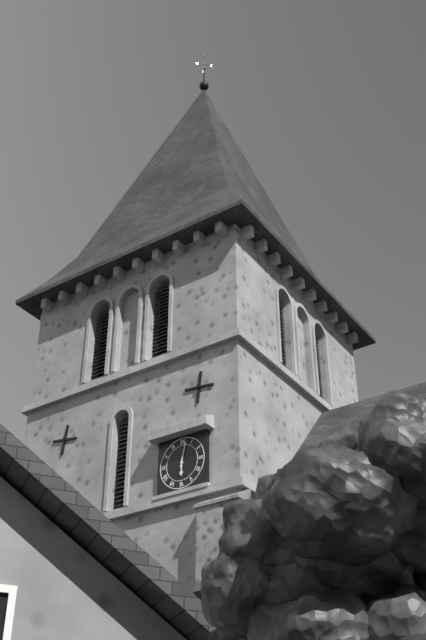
6.02
